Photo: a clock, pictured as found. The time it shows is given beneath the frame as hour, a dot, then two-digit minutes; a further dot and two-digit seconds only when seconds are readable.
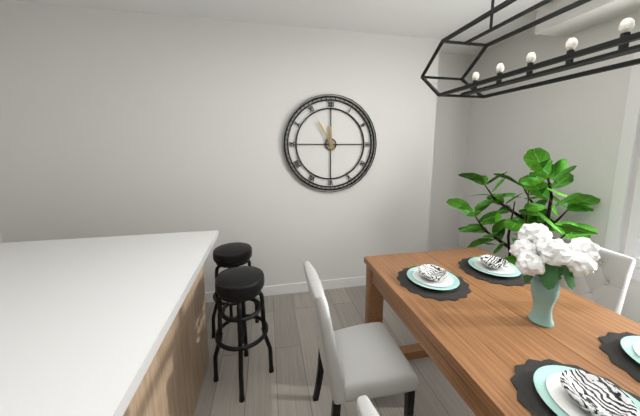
11.55
